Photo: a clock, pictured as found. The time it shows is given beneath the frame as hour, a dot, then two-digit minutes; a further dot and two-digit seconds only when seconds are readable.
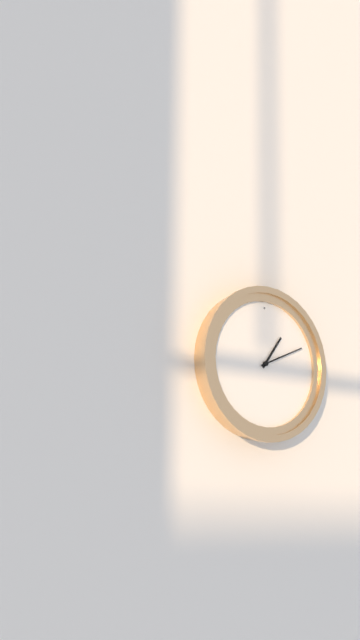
1.11
